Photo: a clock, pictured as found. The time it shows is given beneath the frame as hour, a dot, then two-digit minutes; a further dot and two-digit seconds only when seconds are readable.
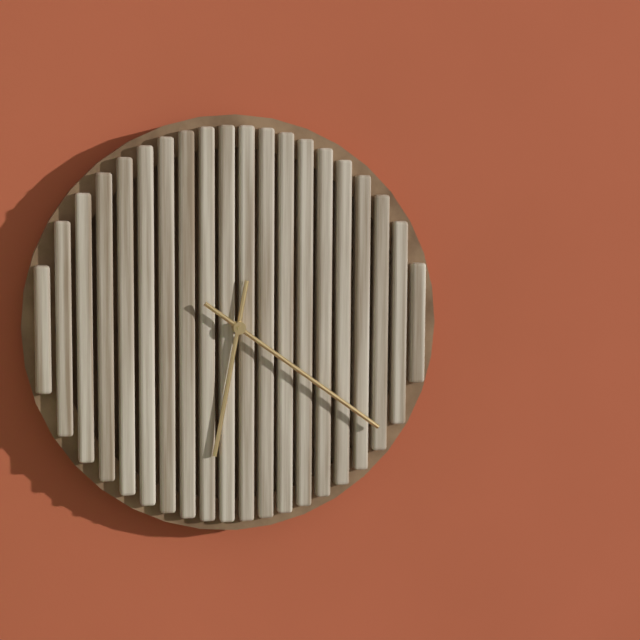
6.21
